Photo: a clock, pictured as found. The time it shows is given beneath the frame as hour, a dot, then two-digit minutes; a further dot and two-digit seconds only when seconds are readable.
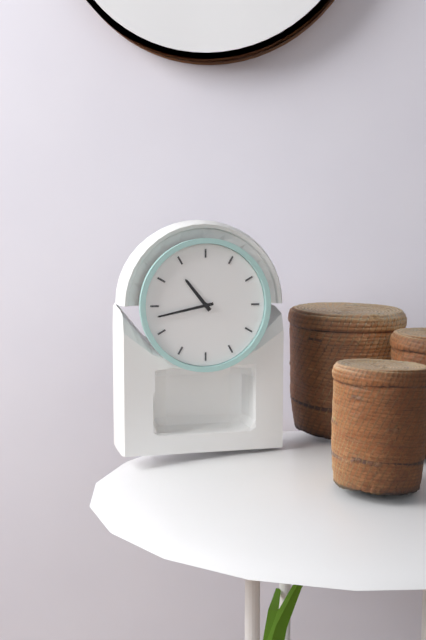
10.43
